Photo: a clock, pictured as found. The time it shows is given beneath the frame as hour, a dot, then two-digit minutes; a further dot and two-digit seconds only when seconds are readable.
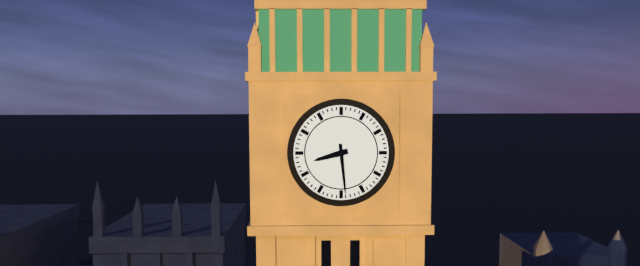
8.29
